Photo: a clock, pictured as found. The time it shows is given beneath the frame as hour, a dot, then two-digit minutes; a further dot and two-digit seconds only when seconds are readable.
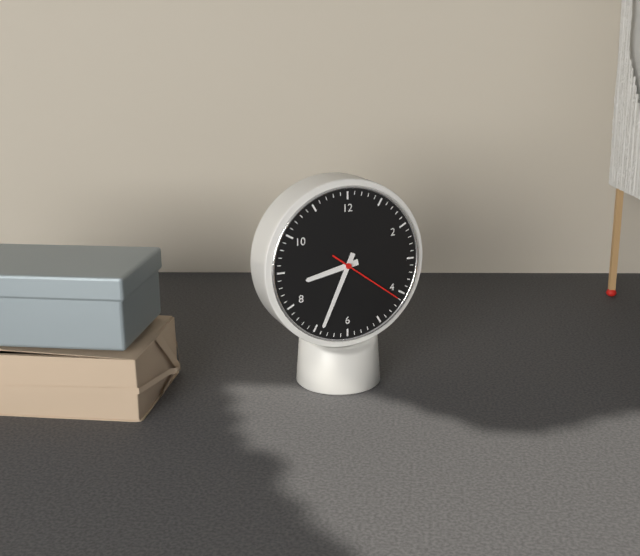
8.34.21
